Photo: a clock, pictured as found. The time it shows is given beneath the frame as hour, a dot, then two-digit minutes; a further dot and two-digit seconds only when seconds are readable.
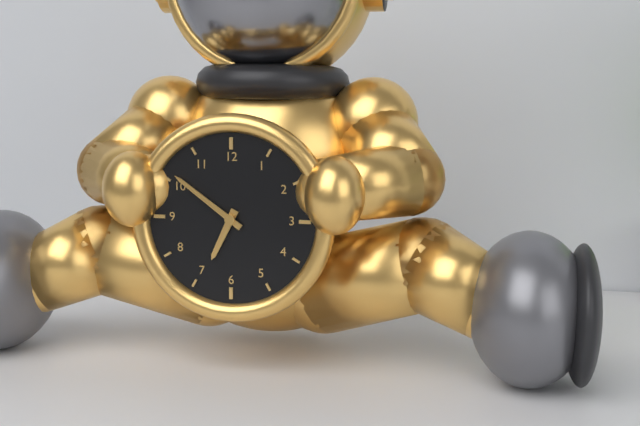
6.51
